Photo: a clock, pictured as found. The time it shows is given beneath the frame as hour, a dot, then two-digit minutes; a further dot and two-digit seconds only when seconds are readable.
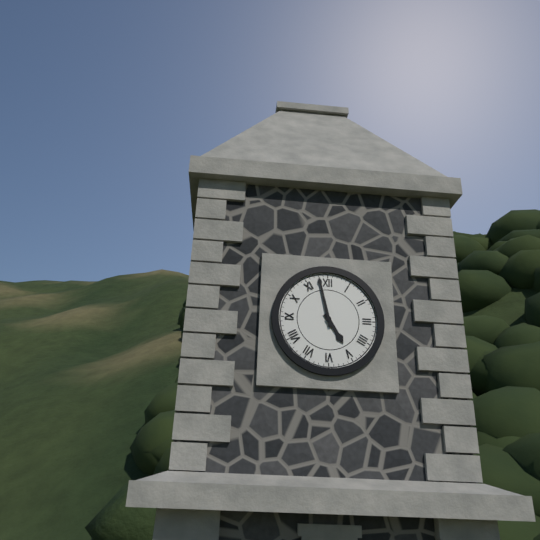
4.58
